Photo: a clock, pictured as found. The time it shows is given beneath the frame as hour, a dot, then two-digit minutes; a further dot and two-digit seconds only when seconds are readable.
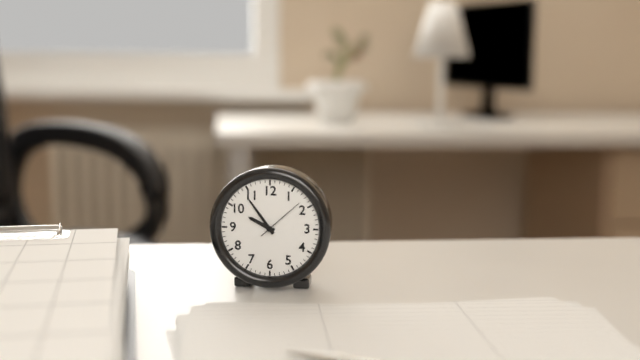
9.54
